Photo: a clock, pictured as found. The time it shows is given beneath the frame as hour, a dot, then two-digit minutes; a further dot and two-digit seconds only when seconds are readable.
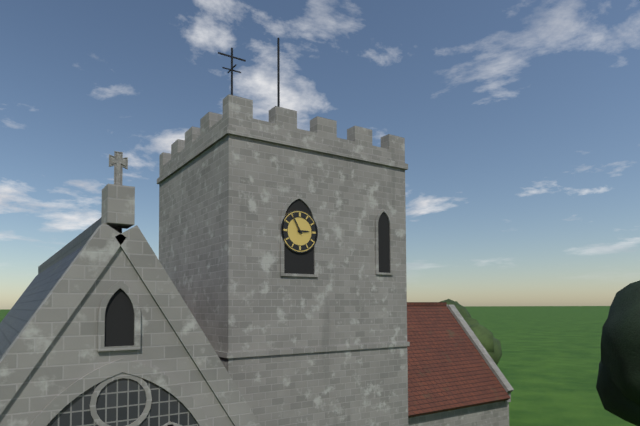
2.55
